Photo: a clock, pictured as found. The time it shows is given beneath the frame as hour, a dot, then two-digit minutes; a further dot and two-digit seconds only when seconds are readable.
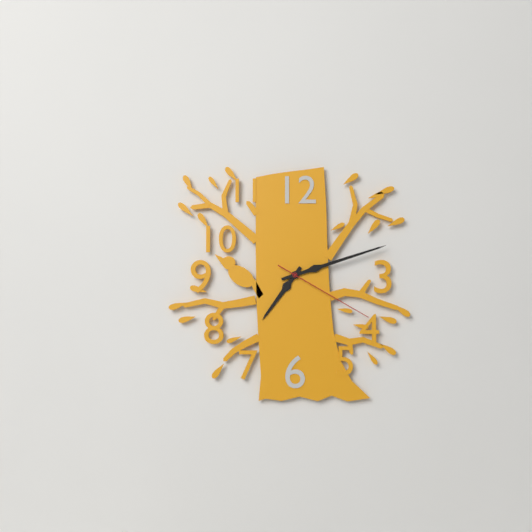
7.12.20
